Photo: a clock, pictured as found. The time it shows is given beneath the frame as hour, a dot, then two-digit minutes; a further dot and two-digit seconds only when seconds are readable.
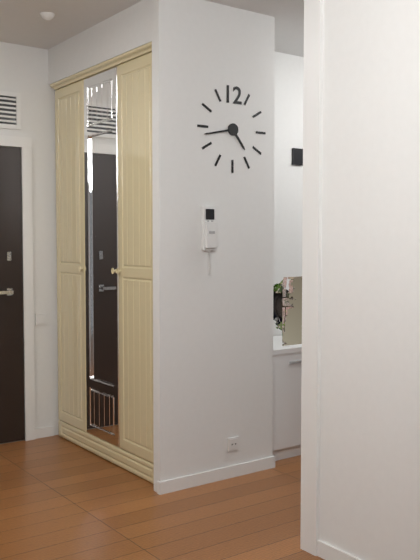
4.43
